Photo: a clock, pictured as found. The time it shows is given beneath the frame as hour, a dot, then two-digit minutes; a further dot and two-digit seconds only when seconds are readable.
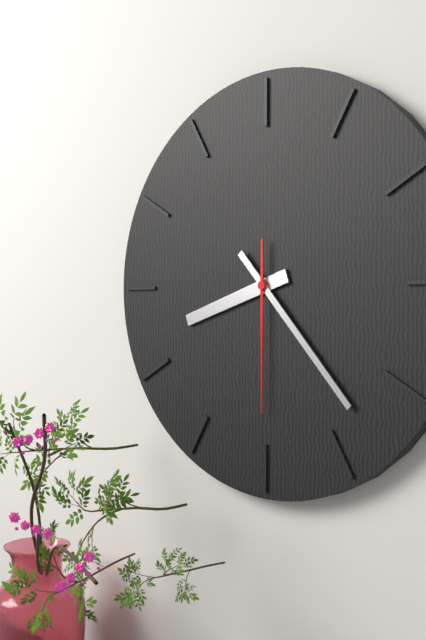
8.23.30
